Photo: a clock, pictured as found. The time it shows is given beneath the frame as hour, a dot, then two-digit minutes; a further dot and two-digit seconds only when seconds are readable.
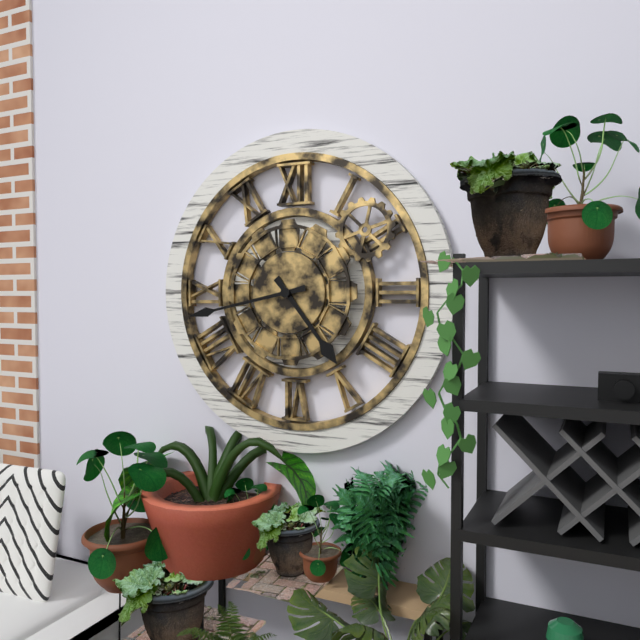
4.43
